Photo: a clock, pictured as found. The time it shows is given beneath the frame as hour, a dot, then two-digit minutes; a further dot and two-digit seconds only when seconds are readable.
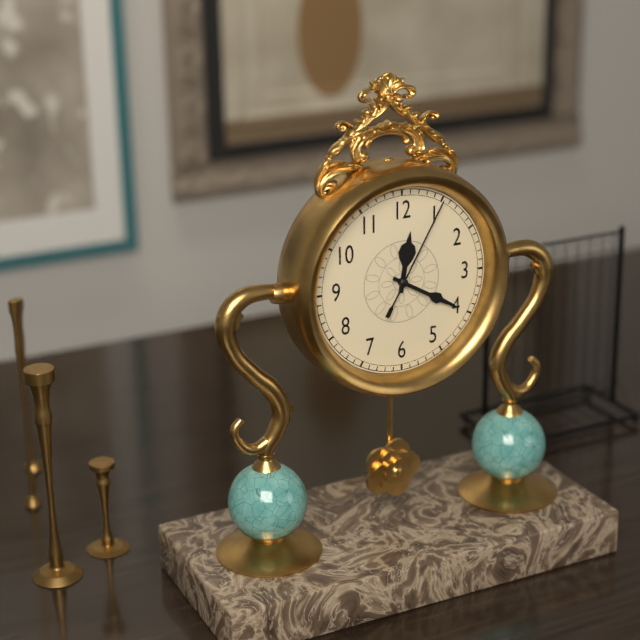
12.20.05
